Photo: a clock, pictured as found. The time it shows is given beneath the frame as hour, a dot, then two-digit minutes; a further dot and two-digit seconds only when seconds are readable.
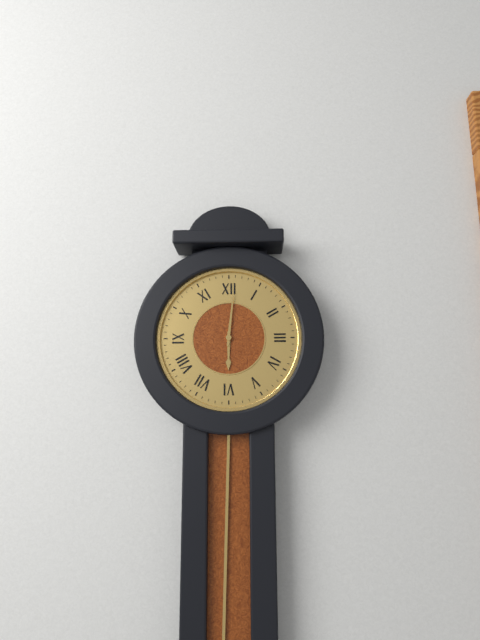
6.01
